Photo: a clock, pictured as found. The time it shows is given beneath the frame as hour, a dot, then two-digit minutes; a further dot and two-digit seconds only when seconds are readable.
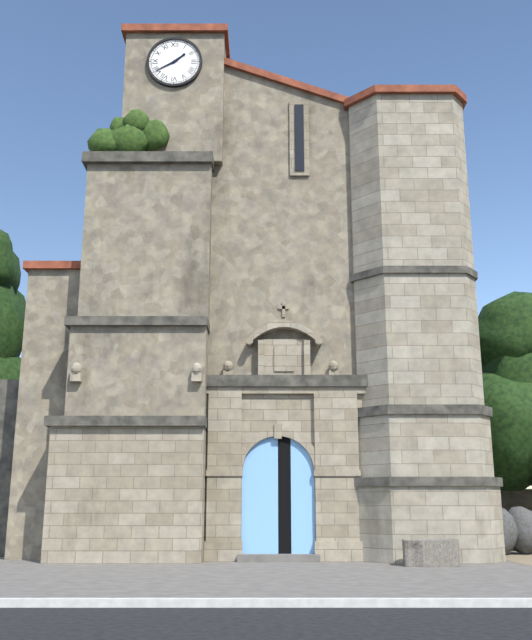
1.40
